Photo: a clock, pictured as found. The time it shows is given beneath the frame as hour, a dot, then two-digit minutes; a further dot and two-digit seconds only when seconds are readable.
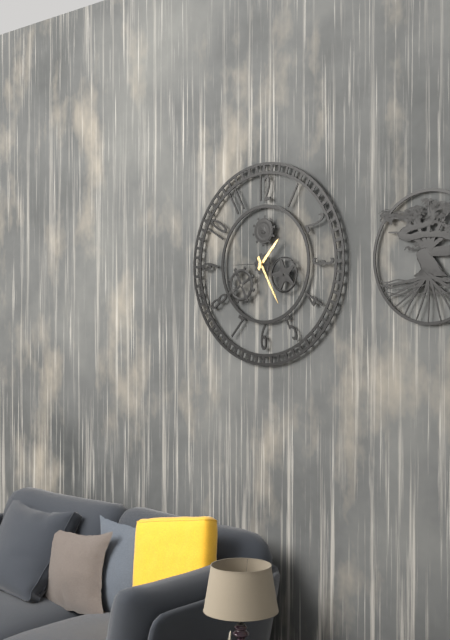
1.25
